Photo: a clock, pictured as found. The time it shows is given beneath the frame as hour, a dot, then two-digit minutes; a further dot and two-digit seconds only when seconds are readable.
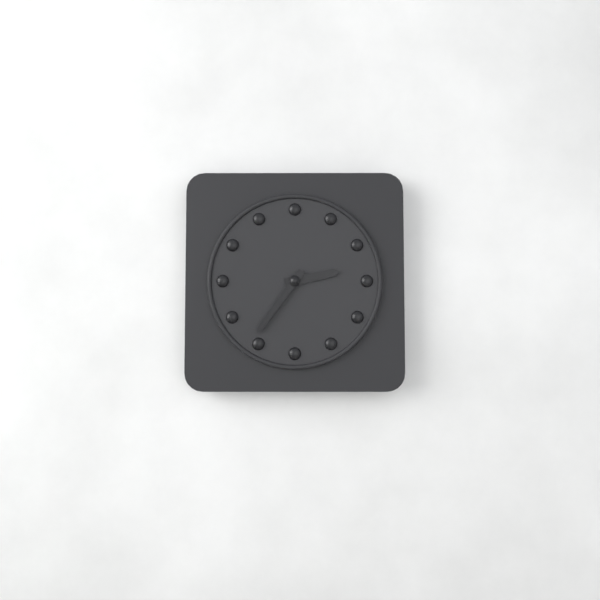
2.36
